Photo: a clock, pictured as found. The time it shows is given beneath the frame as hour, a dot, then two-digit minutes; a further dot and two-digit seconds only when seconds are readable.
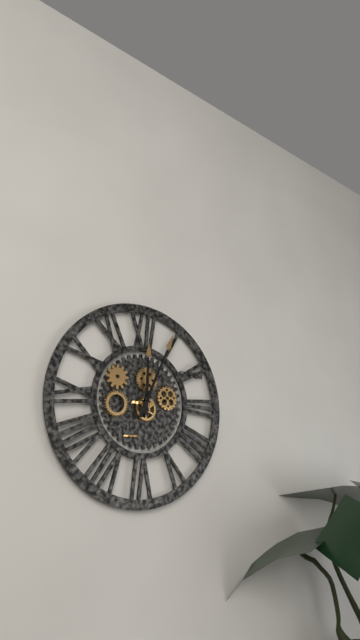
12.04
